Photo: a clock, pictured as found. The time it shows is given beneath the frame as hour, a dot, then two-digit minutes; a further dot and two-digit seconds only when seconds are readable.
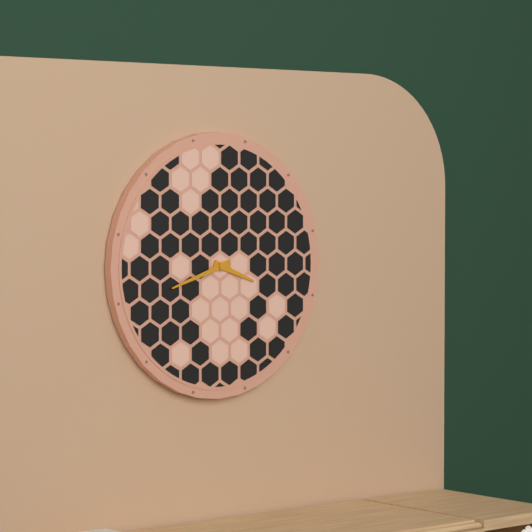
3.42
